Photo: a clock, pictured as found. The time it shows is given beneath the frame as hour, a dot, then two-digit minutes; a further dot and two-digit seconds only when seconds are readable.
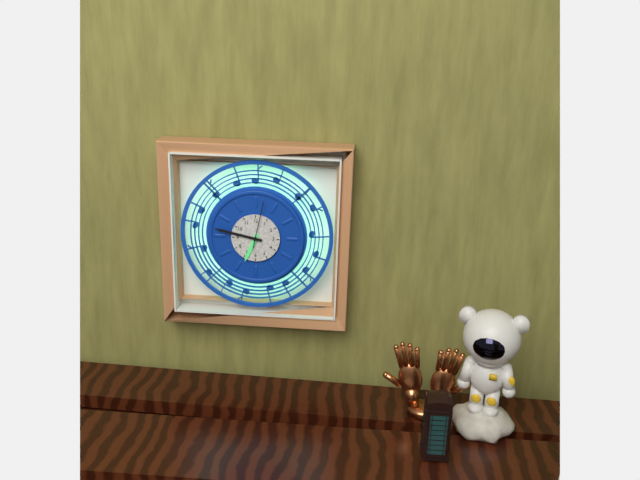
6.47
